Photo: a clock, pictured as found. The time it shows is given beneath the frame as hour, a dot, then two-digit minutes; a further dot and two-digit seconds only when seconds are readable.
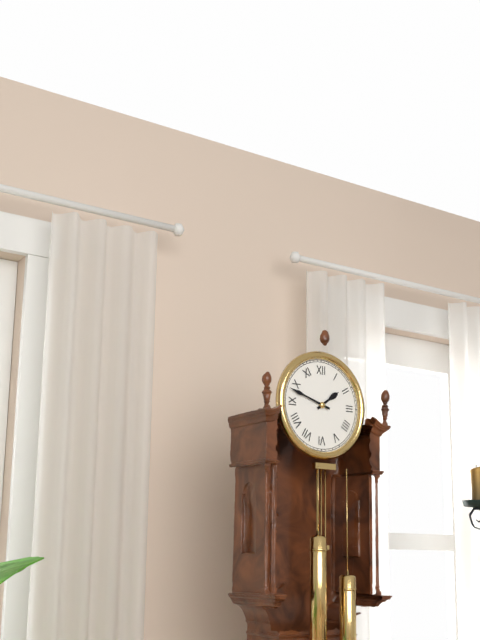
1.48
